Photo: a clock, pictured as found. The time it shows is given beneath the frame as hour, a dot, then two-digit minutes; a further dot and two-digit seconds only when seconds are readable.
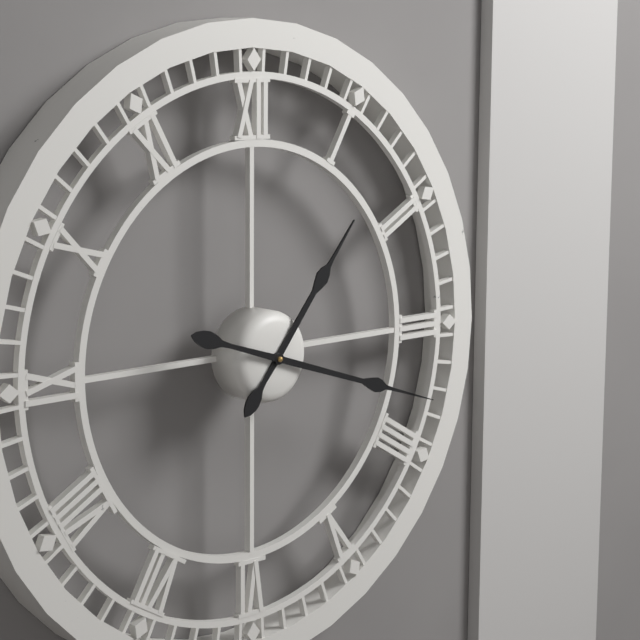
1.18
